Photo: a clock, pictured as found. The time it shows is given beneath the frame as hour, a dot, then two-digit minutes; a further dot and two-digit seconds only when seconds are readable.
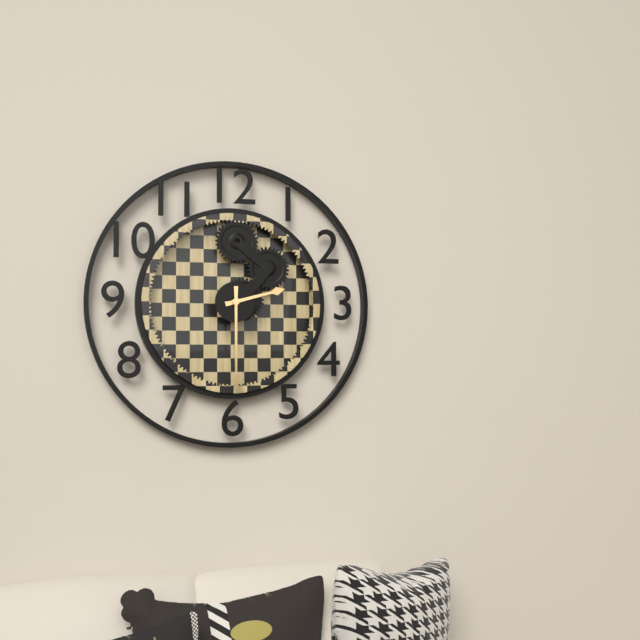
2.30
